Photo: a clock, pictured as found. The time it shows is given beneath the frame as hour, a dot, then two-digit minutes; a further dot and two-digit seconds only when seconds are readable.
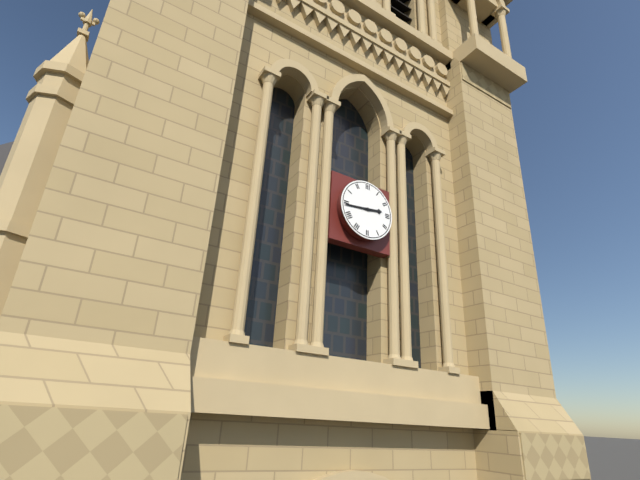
2.44
